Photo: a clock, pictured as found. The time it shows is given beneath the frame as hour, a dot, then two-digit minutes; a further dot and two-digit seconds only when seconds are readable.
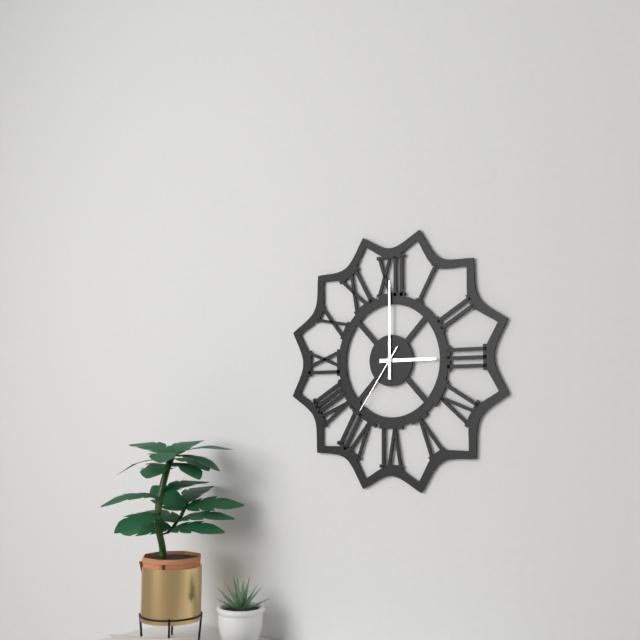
3.00.36
